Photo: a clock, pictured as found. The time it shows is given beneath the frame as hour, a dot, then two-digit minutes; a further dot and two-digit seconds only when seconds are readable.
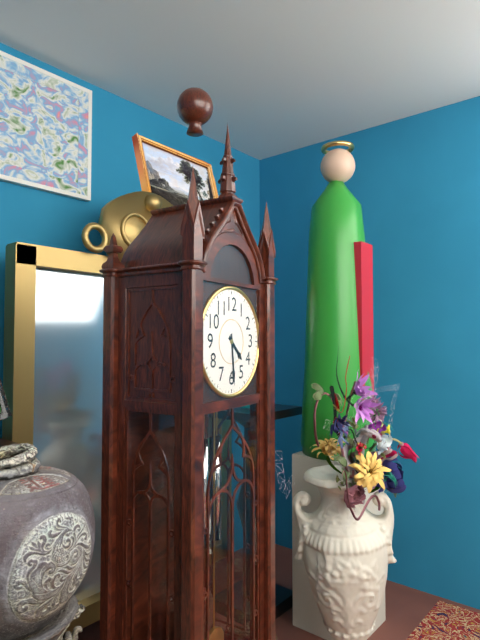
4.29
